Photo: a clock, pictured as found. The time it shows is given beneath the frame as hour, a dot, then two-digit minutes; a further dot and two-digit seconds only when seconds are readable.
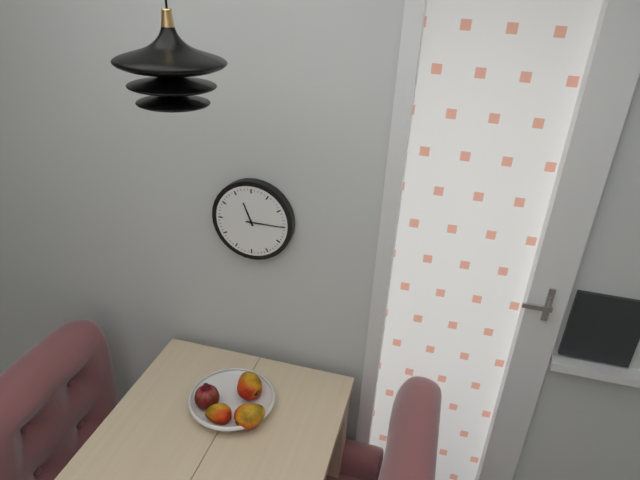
11.15
